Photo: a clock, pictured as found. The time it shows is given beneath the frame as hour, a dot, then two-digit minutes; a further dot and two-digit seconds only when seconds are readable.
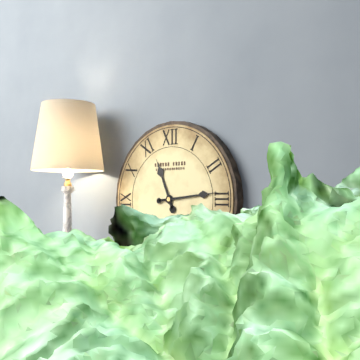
11.14
